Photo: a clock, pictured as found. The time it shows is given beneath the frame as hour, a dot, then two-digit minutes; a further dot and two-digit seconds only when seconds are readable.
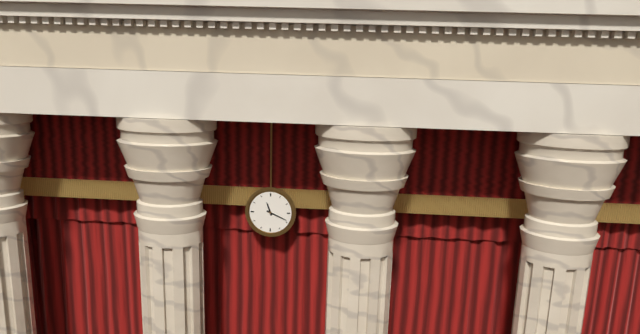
11.19
